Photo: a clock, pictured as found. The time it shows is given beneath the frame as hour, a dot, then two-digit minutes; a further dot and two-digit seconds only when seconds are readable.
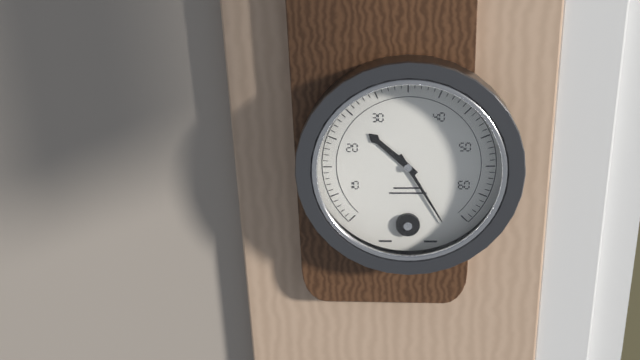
10.25
